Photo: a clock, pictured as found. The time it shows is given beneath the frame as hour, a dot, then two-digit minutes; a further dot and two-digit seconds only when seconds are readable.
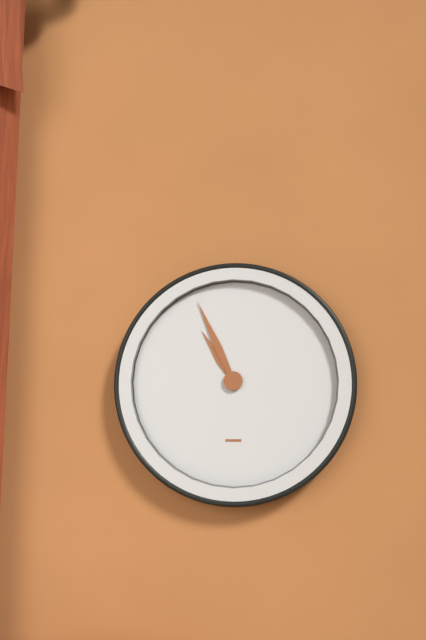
10.56
